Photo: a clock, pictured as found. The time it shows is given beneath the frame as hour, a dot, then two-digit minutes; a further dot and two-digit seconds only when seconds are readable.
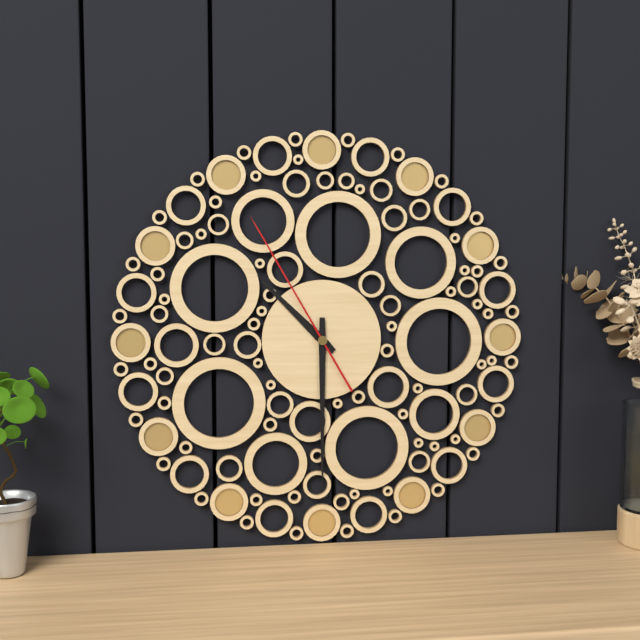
10.30.55
